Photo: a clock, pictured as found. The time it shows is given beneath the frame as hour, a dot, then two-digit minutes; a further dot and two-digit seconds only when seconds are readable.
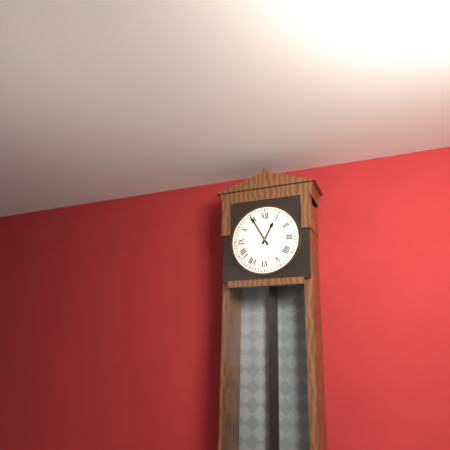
12.55
